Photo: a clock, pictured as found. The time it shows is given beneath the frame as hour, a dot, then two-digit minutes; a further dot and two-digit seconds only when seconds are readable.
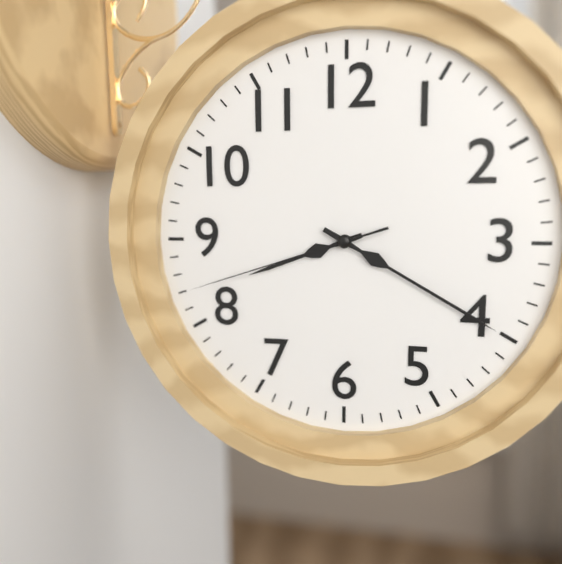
8.20.42
